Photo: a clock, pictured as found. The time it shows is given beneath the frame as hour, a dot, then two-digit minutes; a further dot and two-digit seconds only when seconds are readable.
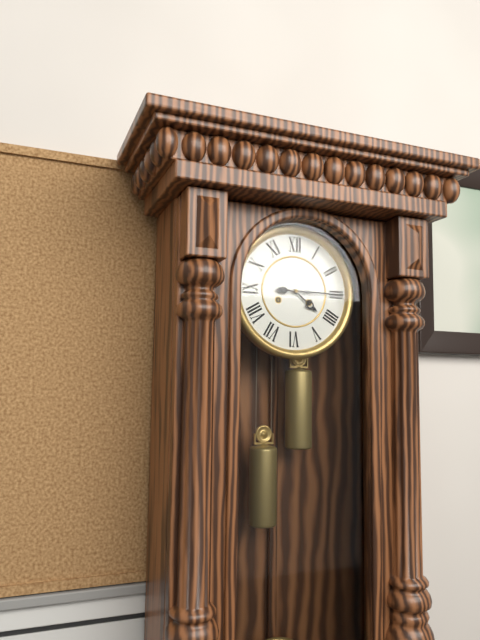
4.15
